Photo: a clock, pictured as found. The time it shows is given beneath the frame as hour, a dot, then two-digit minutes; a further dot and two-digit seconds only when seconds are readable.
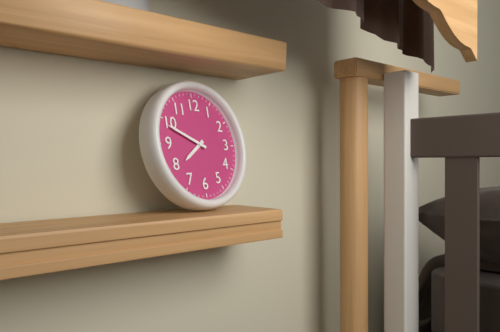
7.49
